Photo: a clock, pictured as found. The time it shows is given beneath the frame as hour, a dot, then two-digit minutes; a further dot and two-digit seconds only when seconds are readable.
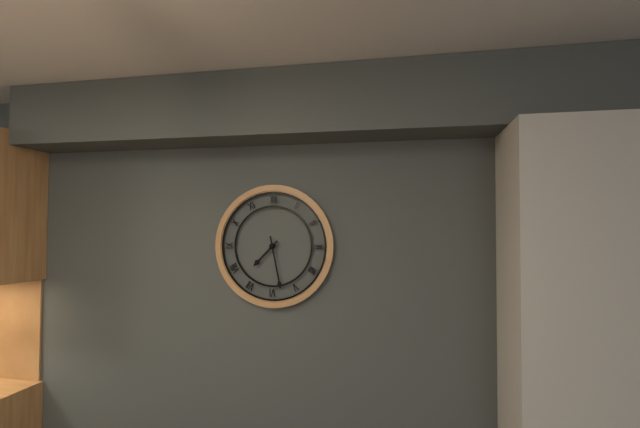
7.28
